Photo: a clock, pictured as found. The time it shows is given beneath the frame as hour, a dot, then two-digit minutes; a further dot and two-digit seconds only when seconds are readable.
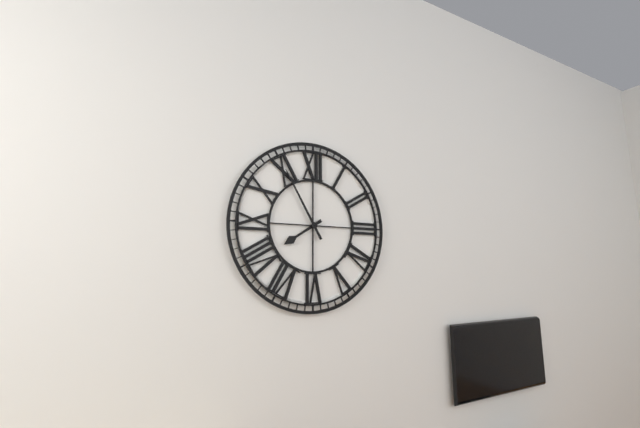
7.55
